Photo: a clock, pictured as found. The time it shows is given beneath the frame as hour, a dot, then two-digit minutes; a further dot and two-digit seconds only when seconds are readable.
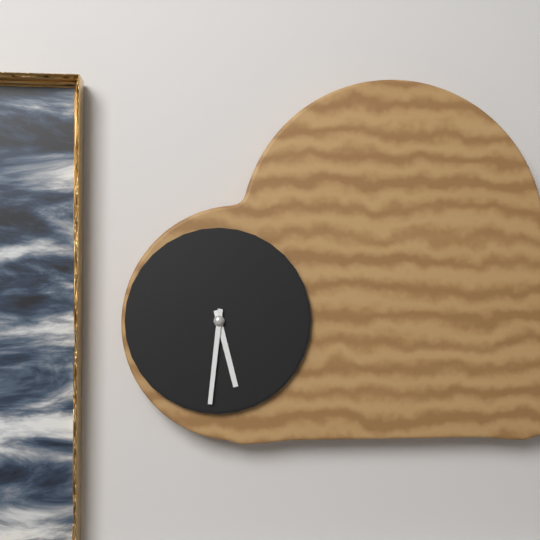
5.31
